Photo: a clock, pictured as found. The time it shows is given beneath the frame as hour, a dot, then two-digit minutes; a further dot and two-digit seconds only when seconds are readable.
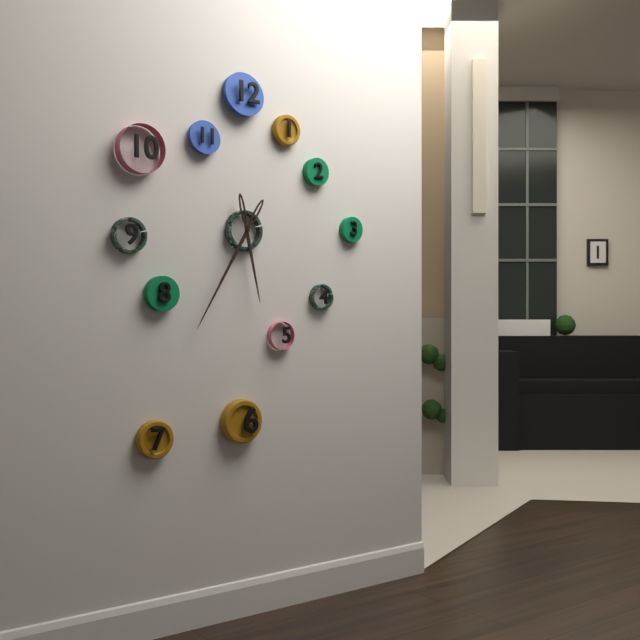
5.35
